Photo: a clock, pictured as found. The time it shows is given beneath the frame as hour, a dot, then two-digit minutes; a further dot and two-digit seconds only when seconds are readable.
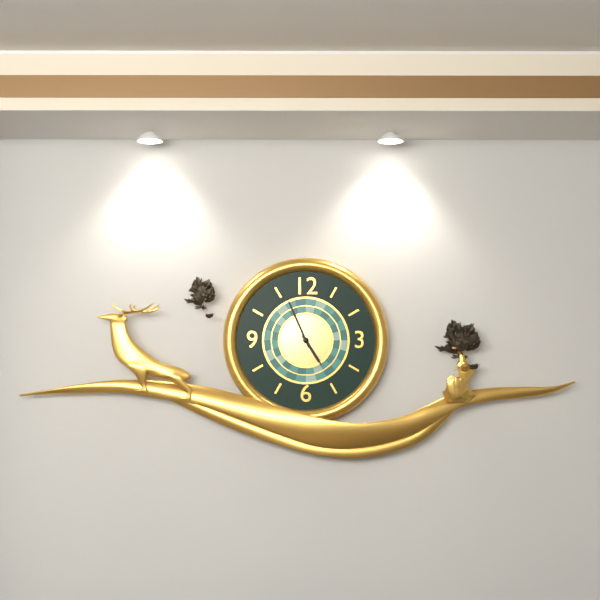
4.56
